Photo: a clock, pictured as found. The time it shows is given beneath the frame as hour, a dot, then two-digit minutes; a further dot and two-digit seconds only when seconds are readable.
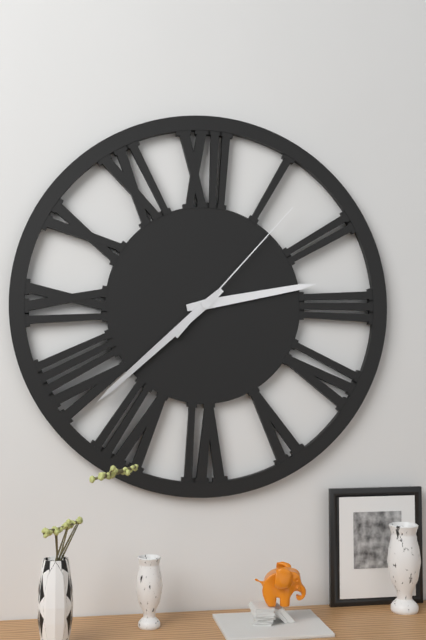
2.38.07
